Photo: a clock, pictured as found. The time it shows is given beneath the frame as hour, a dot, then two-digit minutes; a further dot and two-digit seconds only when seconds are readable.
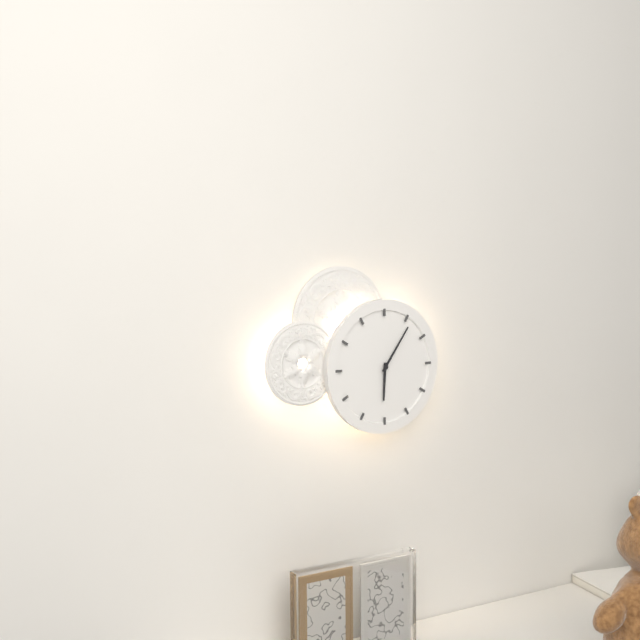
6.06
